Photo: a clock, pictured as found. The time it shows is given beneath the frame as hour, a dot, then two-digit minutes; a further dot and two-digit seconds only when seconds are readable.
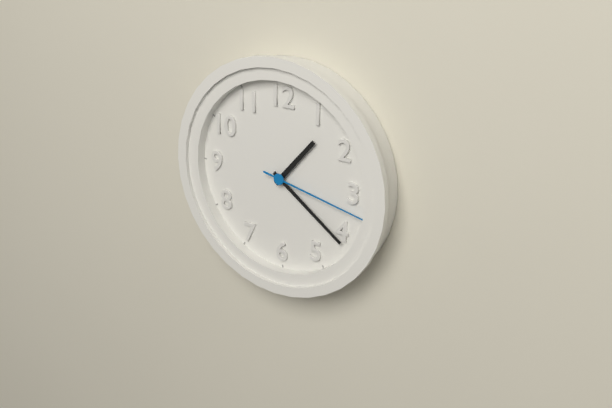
1.21.17
